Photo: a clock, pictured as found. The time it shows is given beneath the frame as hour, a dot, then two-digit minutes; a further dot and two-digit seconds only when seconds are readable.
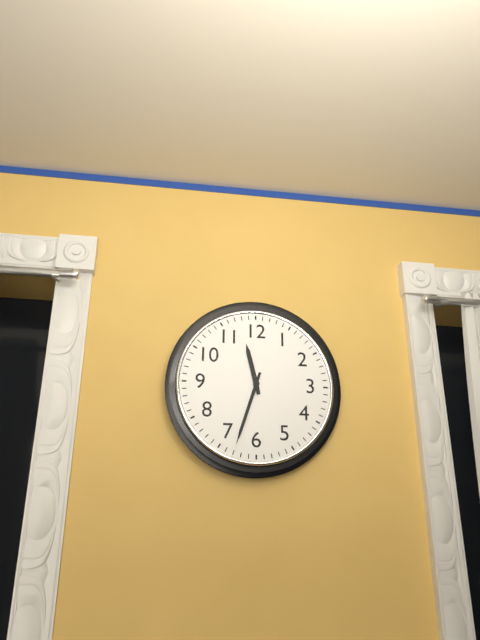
11.33
